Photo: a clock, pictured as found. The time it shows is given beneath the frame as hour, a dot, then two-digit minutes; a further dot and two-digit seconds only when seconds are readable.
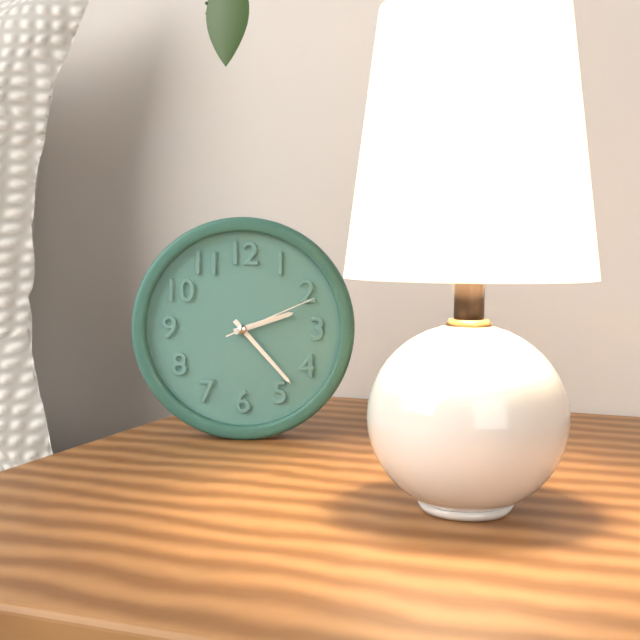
2.23.11
